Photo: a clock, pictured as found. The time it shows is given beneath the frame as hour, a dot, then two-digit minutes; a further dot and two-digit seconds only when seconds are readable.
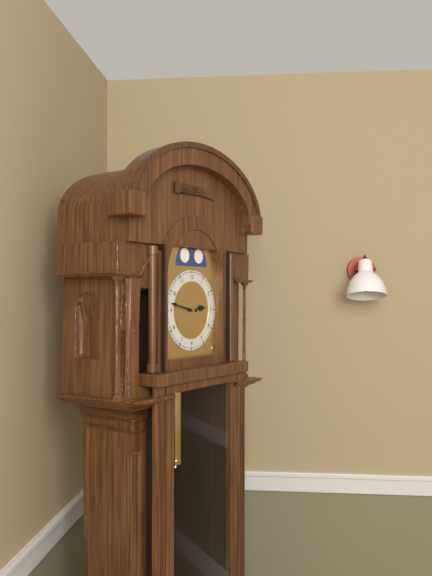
2.47
